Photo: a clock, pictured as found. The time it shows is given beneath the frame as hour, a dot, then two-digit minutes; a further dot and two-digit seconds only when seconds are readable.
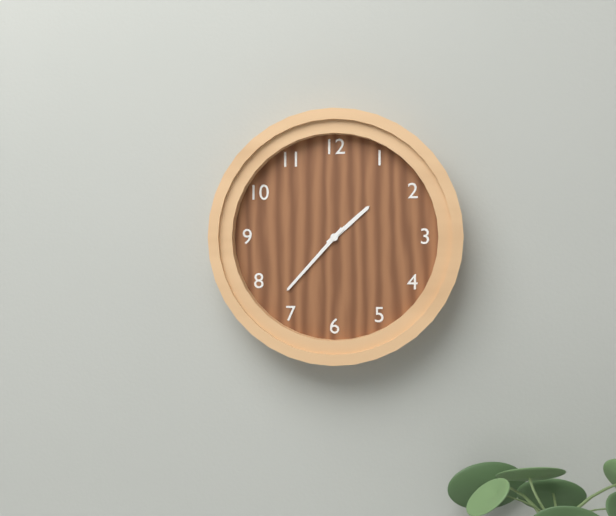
1.37
